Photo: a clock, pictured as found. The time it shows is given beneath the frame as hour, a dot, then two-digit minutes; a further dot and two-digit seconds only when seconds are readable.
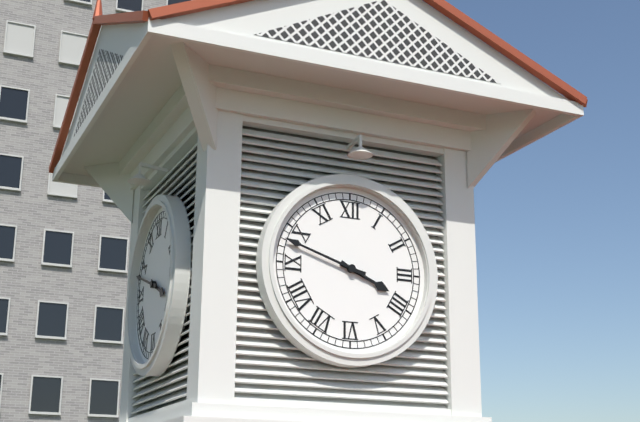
3.48
